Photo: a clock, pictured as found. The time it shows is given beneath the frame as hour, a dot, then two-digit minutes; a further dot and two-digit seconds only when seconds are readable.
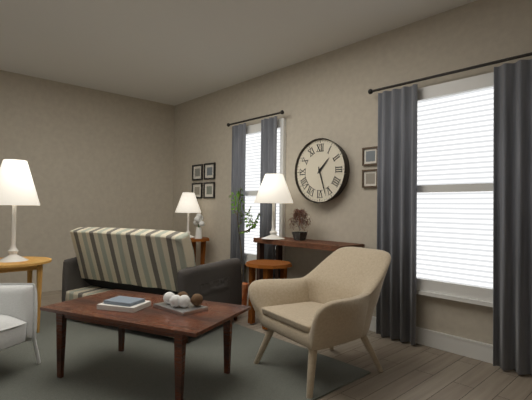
1.27
